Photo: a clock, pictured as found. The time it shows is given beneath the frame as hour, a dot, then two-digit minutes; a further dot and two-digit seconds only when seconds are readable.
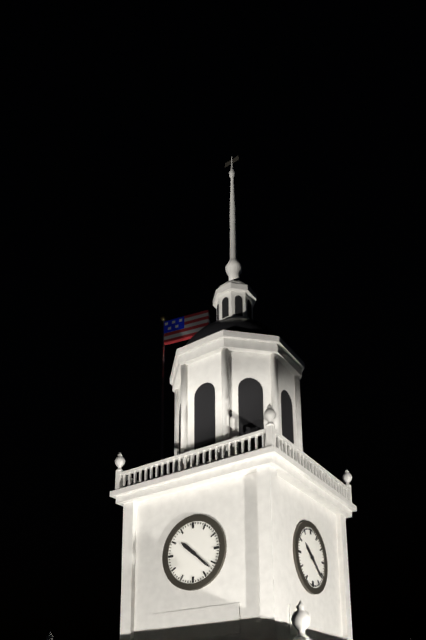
10.22
